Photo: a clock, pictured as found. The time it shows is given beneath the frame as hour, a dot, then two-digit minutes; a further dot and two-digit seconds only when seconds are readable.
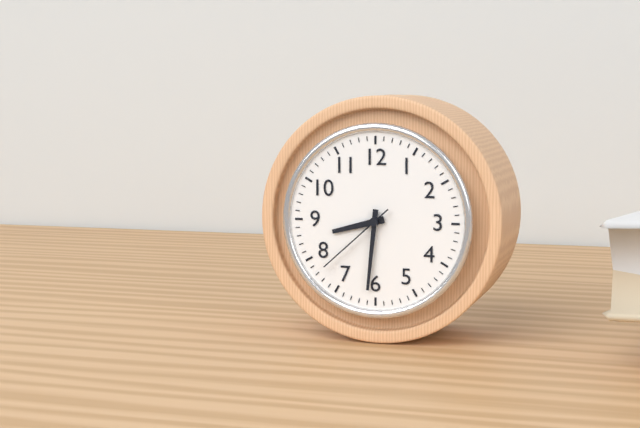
8.31.38
